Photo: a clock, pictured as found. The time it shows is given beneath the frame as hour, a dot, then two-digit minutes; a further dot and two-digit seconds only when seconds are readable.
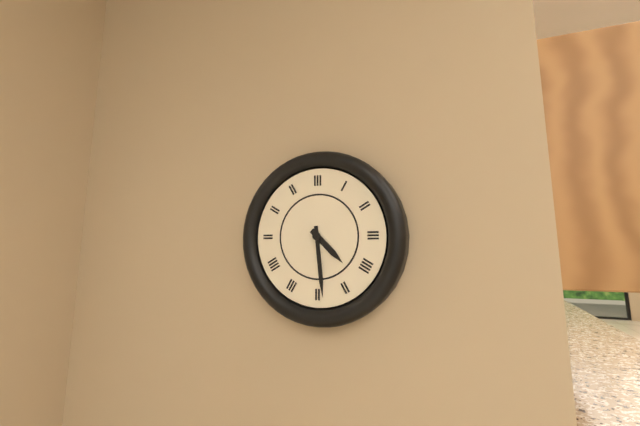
4.29
